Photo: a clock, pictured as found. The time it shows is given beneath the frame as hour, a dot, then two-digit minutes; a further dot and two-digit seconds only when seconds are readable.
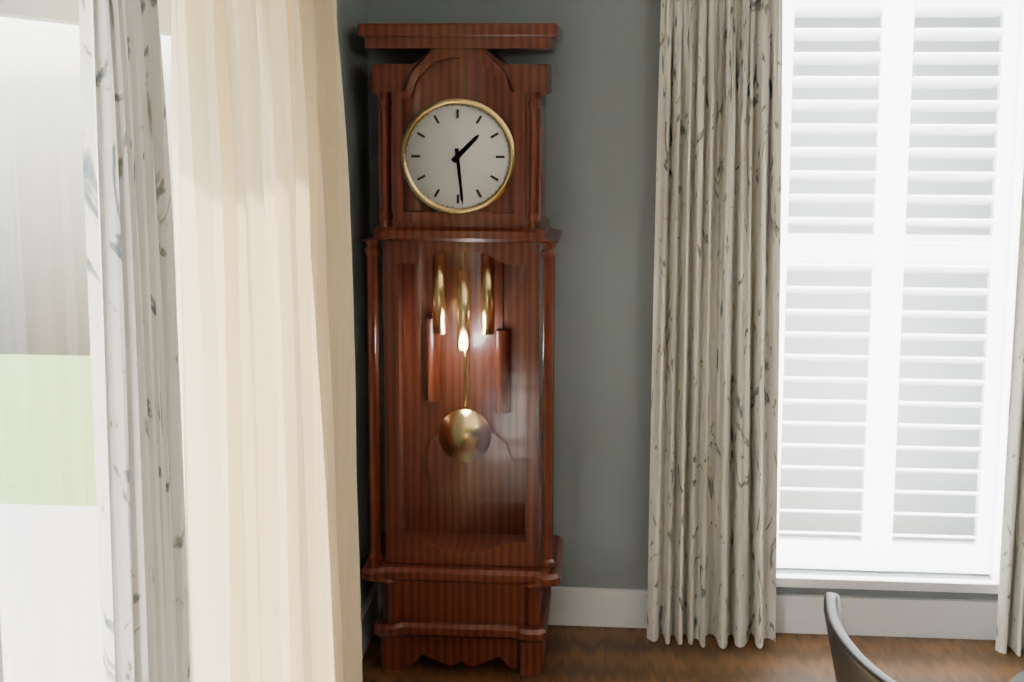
1.29
